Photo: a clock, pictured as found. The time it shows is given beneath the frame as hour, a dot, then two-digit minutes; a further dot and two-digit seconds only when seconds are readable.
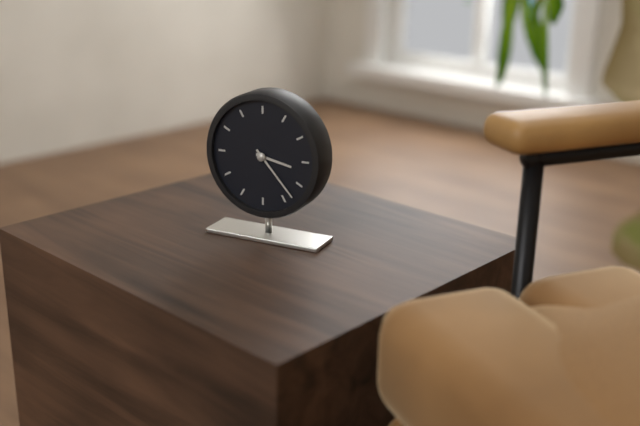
3.23
